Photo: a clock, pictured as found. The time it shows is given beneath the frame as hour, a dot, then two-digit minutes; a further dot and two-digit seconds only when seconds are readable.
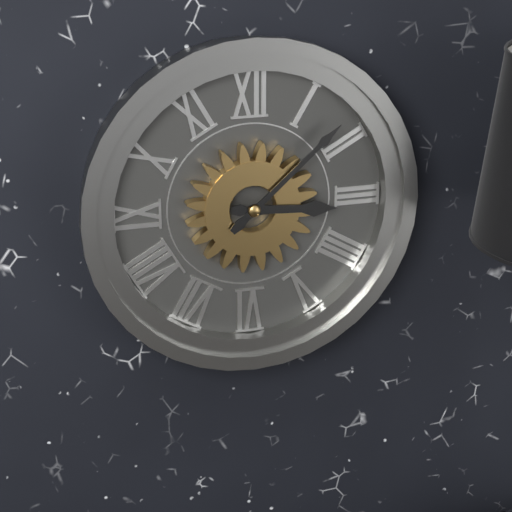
3.08
